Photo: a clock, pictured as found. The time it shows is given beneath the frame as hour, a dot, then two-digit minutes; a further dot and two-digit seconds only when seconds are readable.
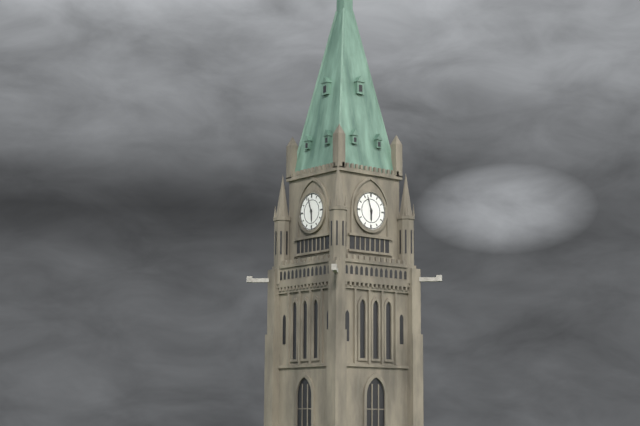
5.57
